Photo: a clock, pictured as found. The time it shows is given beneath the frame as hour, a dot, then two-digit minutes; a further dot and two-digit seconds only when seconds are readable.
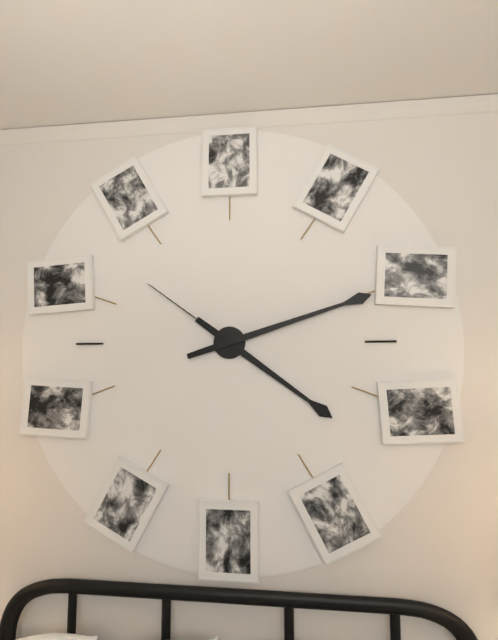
4.12.51
